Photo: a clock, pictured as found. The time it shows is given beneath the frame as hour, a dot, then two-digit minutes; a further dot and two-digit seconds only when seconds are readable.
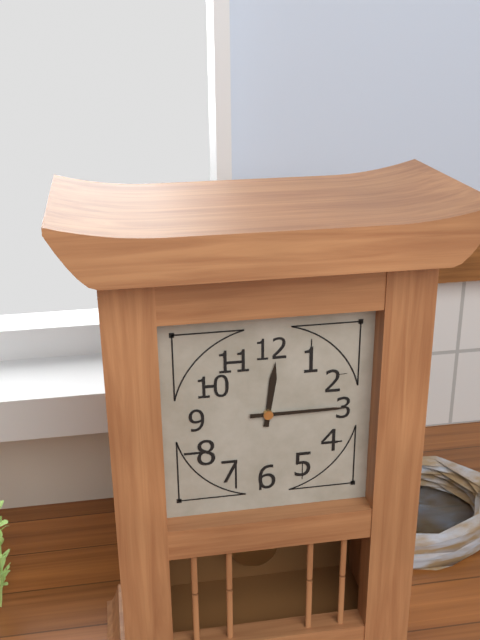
12.15
